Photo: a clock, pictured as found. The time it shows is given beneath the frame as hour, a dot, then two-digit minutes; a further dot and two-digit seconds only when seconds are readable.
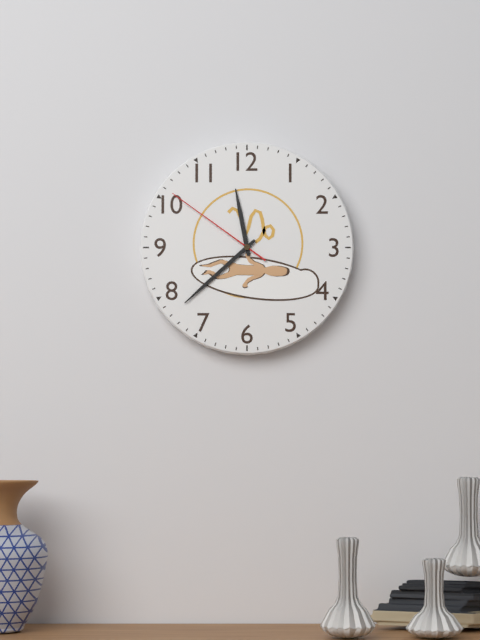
11.38.51
